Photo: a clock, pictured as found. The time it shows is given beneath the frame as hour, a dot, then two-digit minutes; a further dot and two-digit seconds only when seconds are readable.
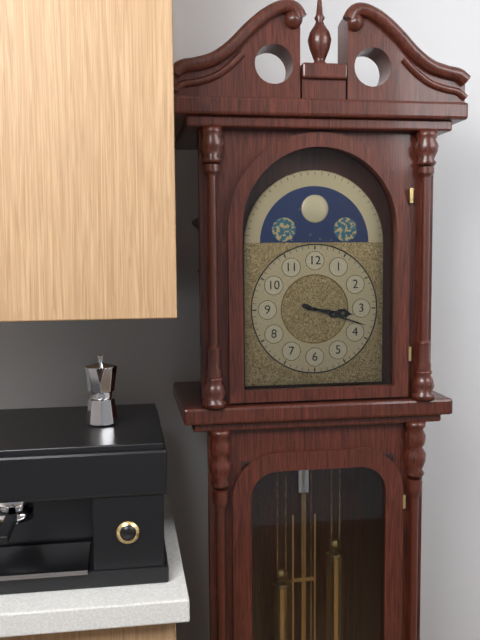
3.18
